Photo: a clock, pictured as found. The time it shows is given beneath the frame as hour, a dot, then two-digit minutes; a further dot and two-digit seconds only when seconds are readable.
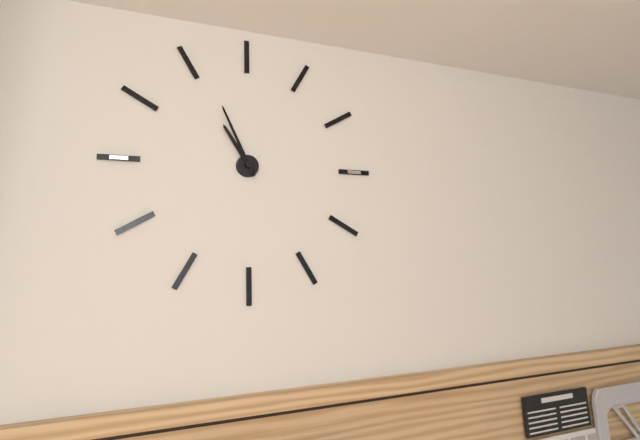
10.56
